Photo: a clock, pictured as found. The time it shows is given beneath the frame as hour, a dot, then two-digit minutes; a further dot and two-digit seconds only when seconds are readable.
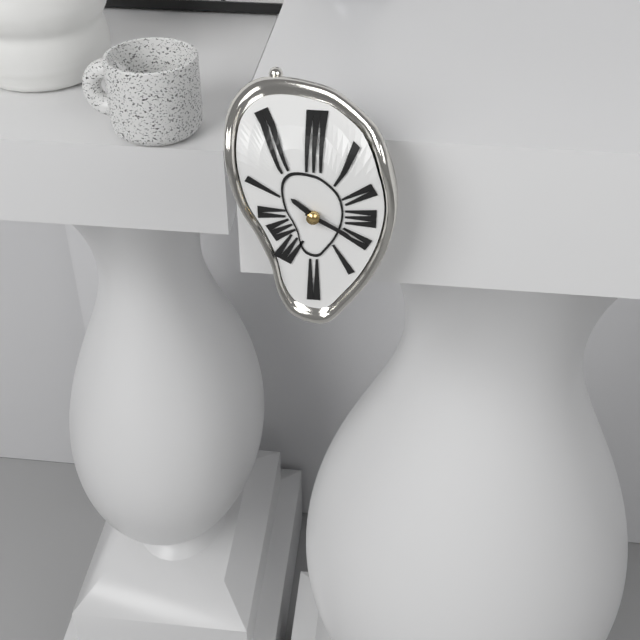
10.20
